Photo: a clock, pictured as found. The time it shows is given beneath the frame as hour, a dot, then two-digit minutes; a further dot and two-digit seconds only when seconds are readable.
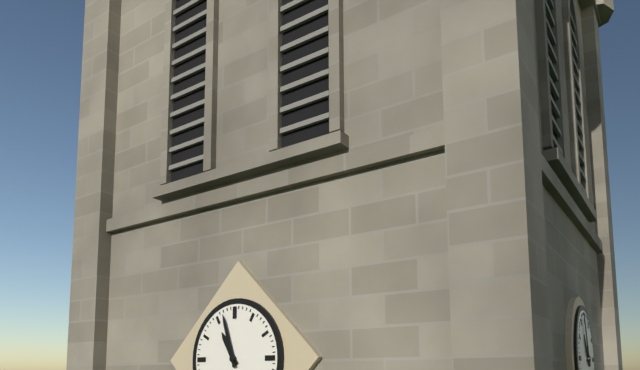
10.57
